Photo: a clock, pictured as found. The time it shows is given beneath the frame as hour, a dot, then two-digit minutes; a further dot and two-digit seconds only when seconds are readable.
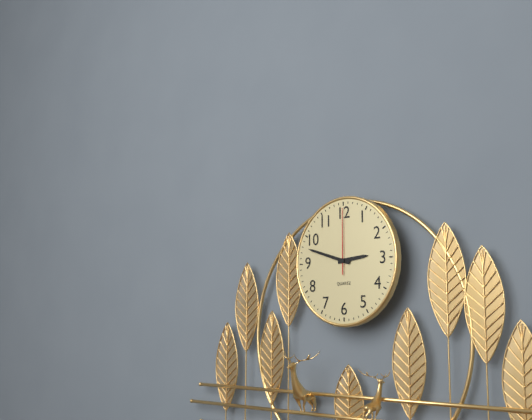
2.48.00
